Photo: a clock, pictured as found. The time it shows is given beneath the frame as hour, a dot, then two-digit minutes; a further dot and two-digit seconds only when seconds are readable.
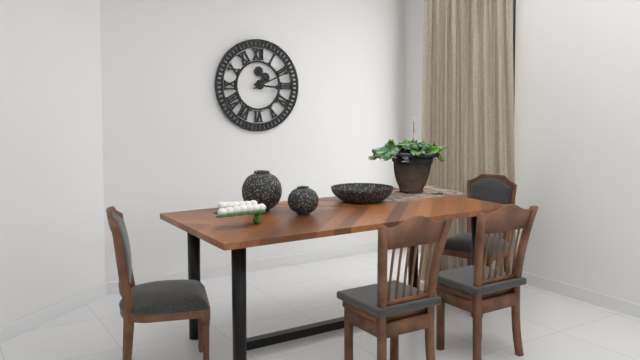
3.11
